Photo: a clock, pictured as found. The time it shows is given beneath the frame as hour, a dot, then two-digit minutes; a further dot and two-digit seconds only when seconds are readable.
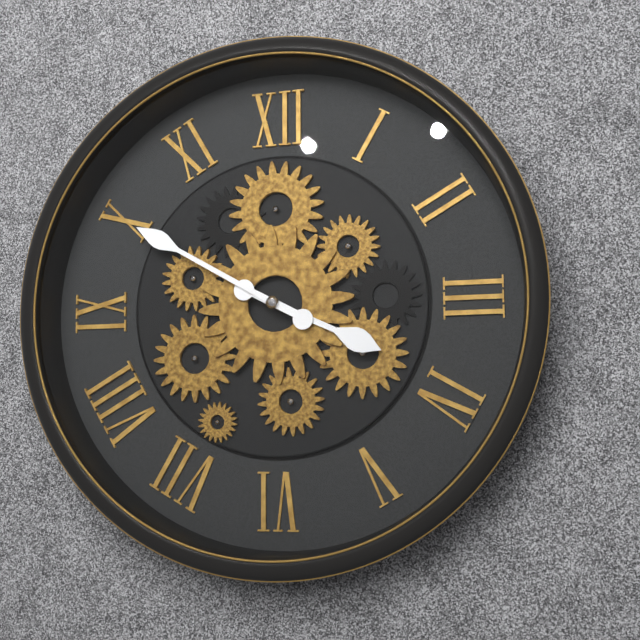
3.50
